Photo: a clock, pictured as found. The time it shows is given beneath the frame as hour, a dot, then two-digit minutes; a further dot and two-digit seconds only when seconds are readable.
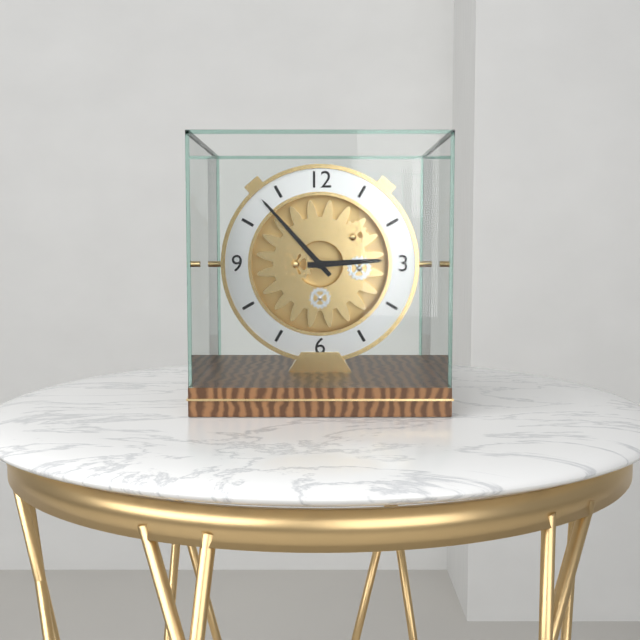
2.53
